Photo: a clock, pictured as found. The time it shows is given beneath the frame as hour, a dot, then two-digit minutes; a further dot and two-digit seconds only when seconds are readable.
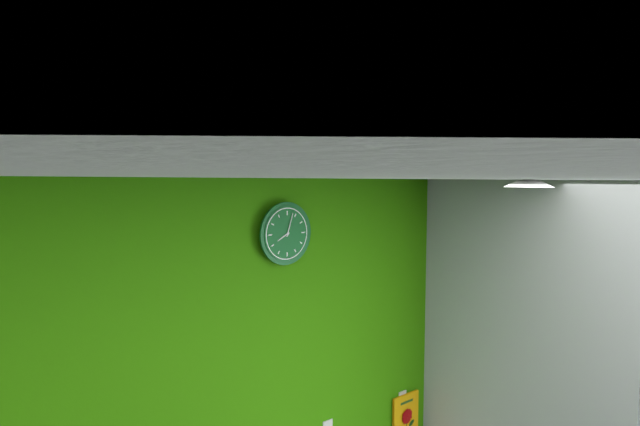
8.03
